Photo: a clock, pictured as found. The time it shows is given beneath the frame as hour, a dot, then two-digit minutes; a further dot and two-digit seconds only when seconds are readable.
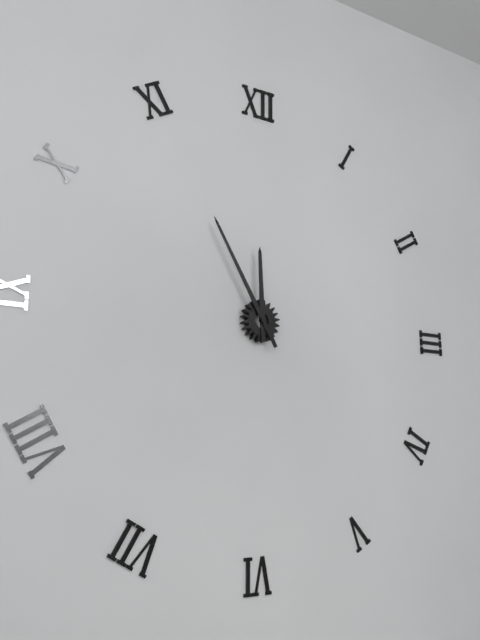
11.55
